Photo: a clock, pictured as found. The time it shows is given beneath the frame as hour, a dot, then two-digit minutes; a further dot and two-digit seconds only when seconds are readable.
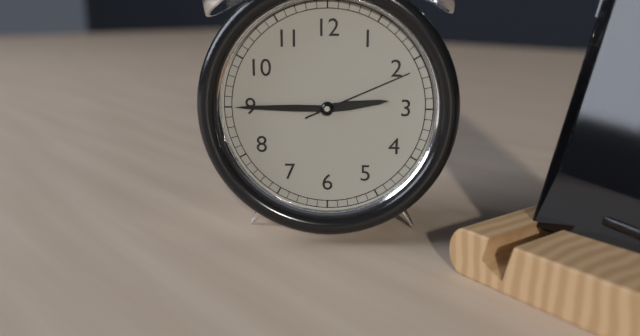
2.45.11
